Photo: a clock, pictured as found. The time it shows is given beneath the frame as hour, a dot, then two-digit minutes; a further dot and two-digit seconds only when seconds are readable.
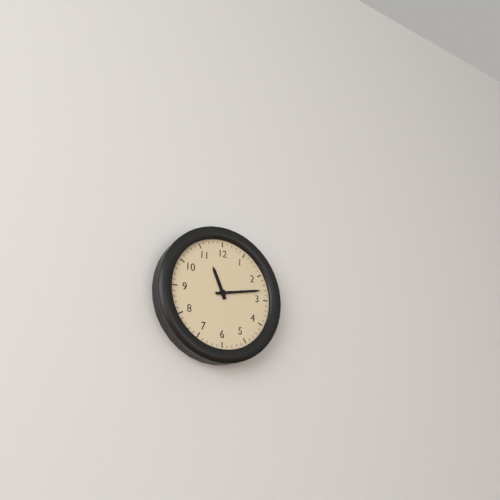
11.13
